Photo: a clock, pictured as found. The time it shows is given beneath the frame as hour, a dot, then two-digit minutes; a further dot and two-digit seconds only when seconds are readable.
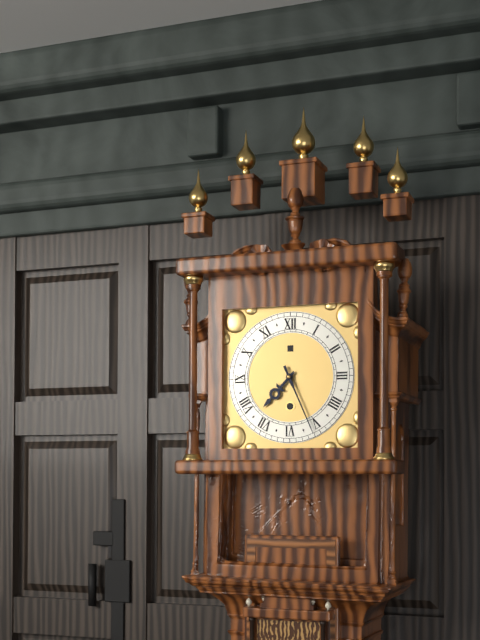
7.26
